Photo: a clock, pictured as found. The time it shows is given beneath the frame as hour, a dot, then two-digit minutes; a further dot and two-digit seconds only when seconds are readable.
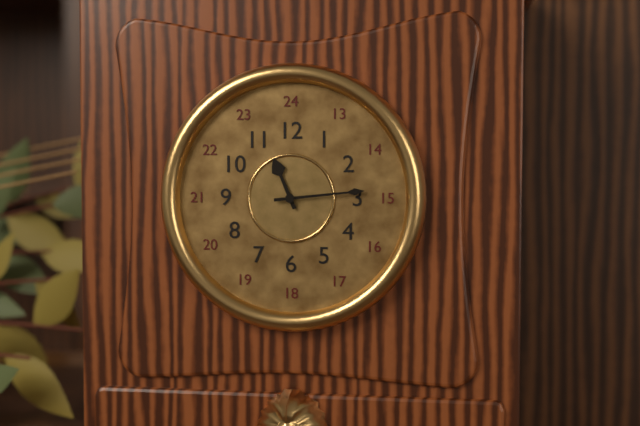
11.14
